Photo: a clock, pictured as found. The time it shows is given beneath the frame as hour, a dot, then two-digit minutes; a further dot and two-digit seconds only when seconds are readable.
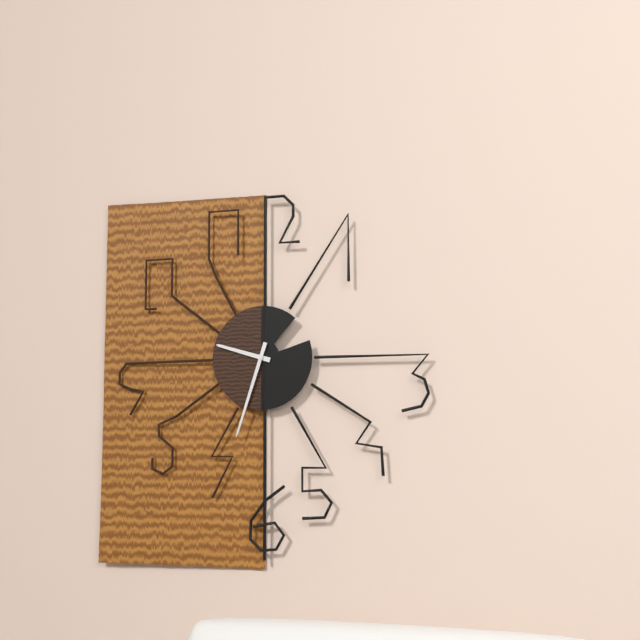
9.33
